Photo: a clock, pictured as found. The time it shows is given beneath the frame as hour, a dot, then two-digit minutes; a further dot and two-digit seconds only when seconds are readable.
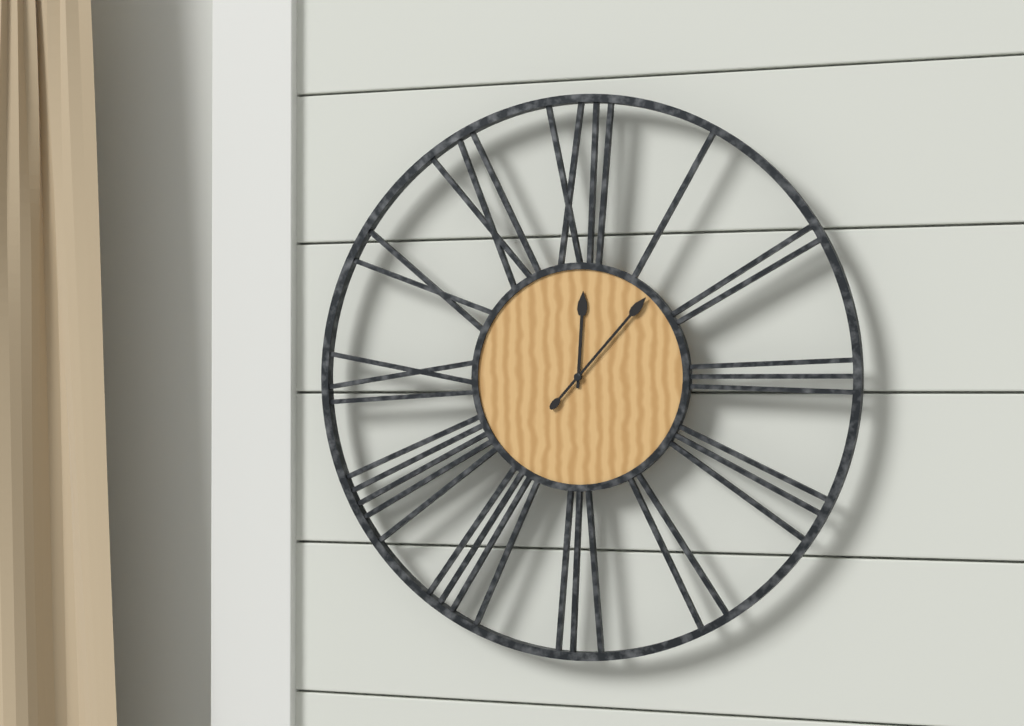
12.07
